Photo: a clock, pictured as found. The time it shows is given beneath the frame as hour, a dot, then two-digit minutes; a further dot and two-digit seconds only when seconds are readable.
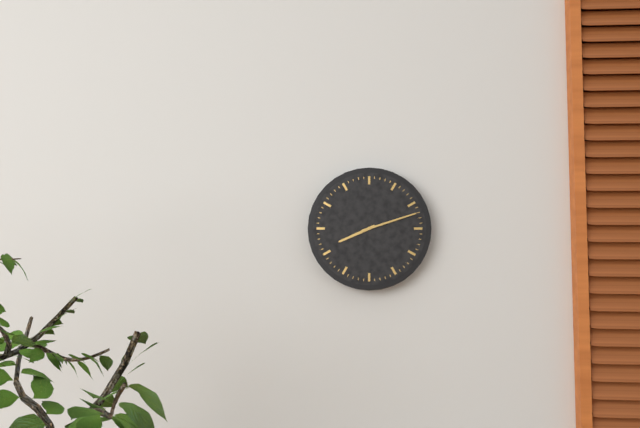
8.12
